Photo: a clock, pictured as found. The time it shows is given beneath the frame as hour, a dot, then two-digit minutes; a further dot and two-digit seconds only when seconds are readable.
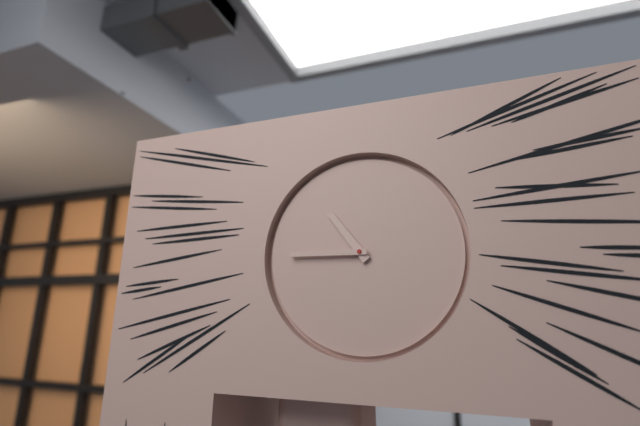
10.45
